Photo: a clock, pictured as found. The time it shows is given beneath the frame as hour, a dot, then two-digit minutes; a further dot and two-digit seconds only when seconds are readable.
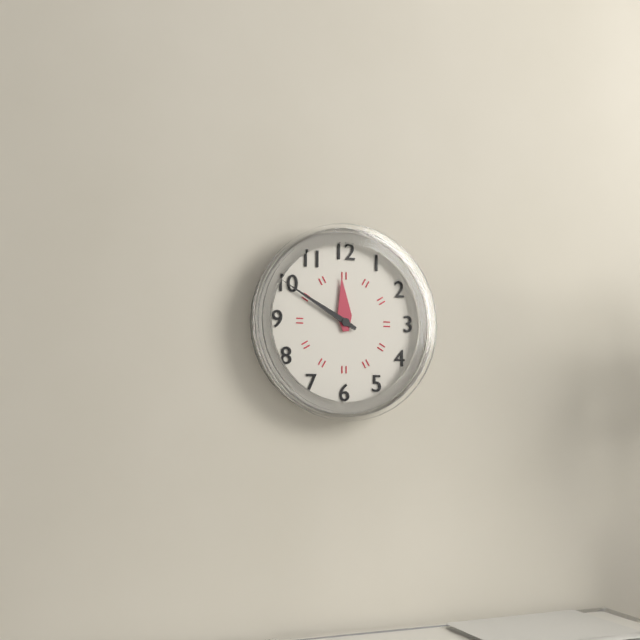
11.50
